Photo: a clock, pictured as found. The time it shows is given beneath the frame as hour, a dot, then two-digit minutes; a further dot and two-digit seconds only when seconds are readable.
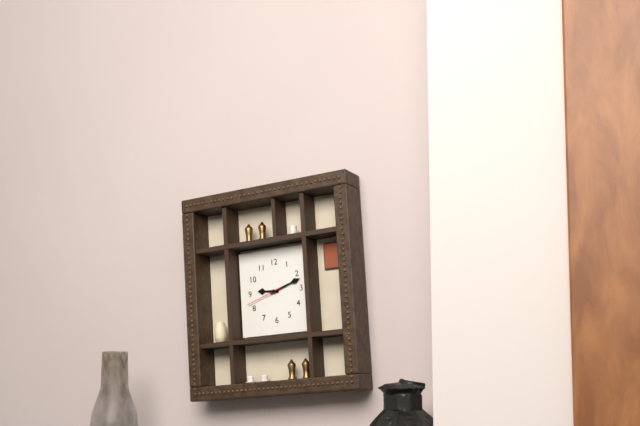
9.12
